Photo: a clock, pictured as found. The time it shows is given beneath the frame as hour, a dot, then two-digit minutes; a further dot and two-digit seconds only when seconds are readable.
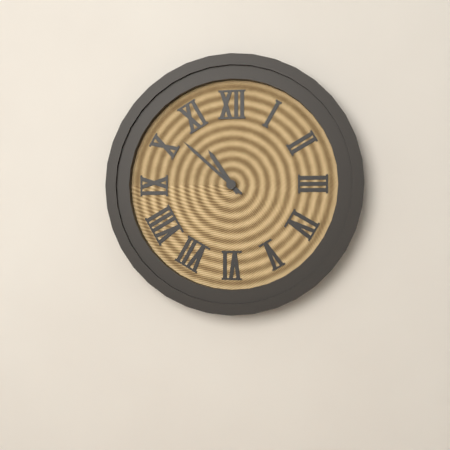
10.52
